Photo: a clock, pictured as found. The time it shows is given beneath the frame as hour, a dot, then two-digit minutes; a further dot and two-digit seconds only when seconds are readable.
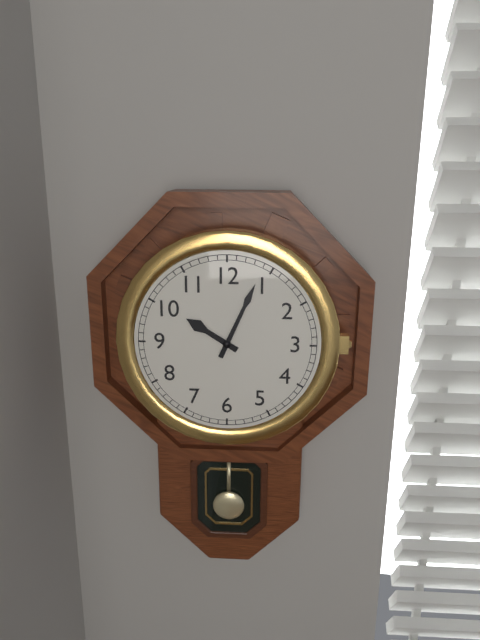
10.04
